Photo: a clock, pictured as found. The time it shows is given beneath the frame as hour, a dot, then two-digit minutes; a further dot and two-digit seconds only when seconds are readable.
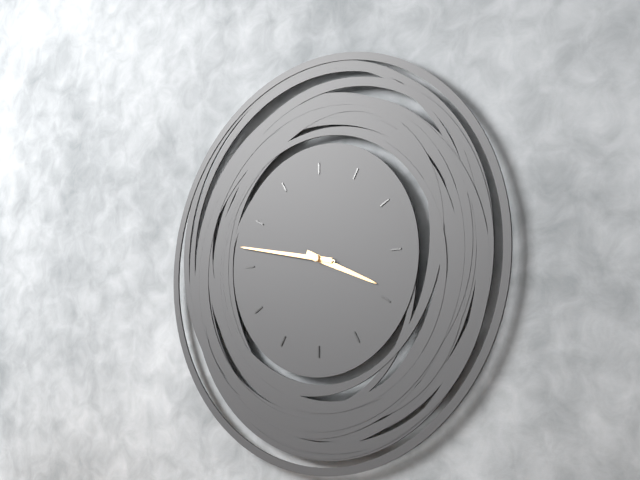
3.47.47
